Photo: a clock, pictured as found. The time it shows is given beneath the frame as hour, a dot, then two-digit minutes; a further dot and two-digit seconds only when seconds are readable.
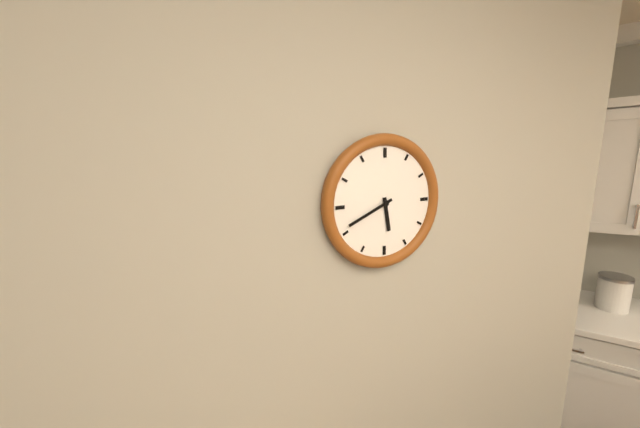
5.41
